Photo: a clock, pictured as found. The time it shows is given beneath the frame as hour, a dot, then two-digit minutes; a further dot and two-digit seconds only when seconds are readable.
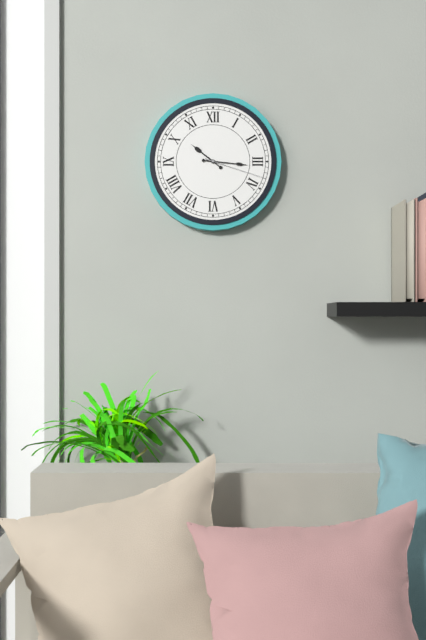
10.16.18
